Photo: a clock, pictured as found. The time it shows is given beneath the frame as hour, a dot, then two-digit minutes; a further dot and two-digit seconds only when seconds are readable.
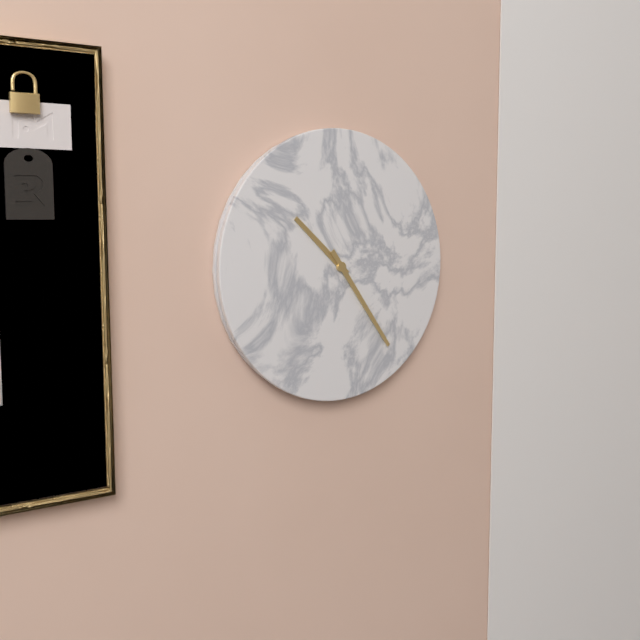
10.24
